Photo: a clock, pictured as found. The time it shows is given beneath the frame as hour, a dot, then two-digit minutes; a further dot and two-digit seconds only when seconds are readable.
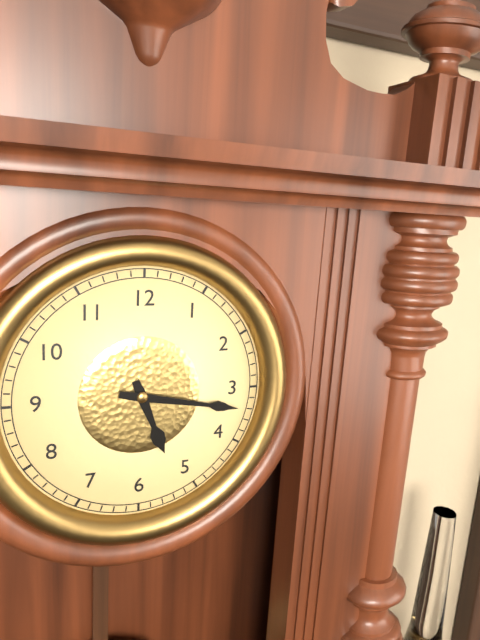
5.17
